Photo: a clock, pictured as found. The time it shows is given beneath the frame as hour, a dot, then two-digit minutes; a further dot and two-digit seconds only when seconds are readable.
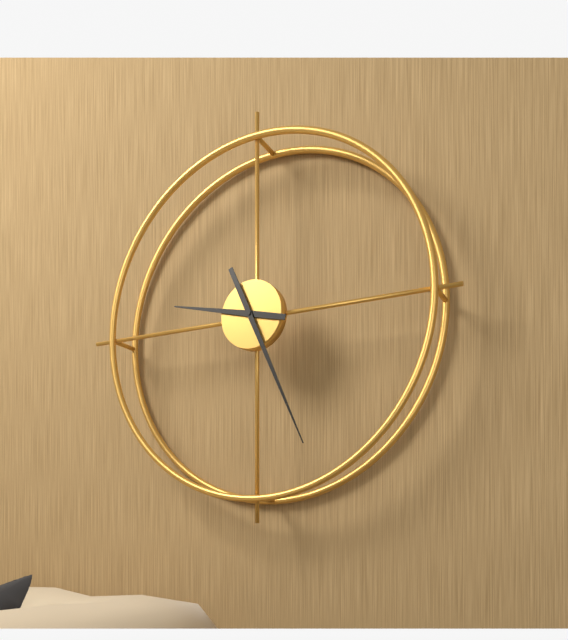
9.26
